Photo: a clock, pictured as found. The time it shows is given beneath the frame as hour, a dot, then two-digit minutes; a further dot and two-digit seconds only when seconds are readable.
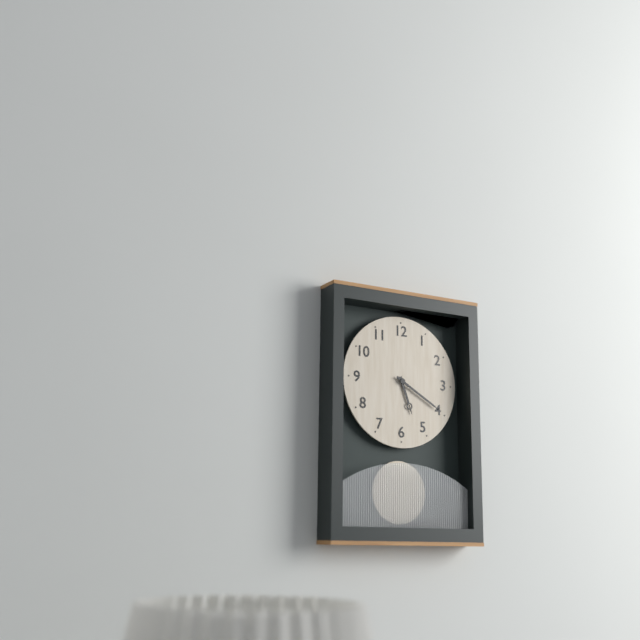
5.20
